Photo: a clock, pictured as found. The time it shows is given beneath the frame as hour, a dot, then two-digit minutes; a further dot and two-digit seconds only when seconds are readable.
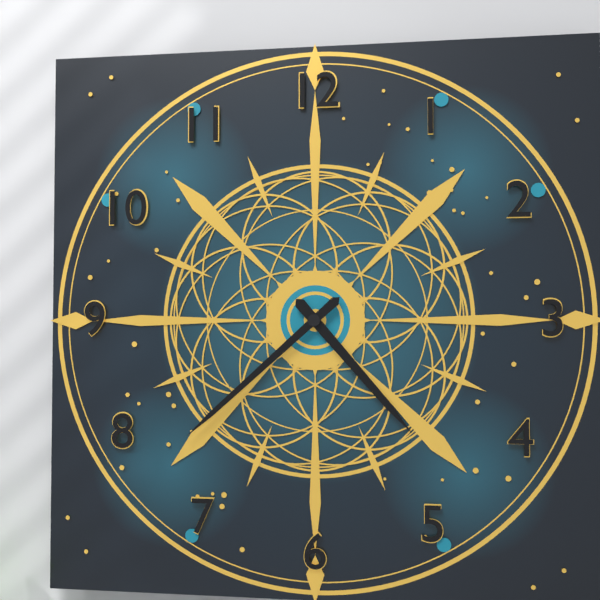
4.38
